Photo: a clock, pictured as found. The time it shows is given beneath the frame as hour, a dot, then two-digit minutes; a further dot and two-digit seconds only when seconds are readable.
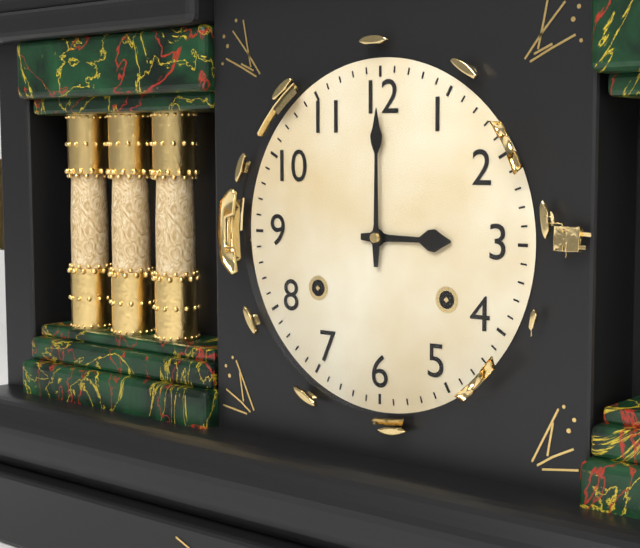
3.00
